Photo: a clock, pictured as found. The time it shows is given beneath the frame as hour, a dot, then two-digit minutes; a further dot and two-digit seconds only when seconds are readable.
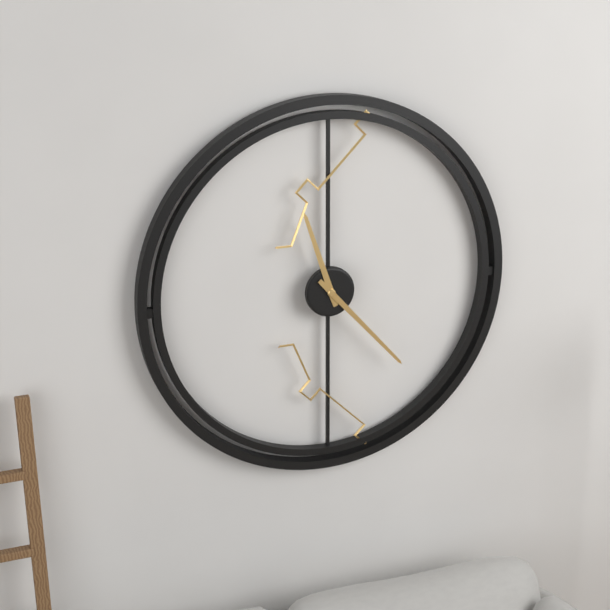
11.23
